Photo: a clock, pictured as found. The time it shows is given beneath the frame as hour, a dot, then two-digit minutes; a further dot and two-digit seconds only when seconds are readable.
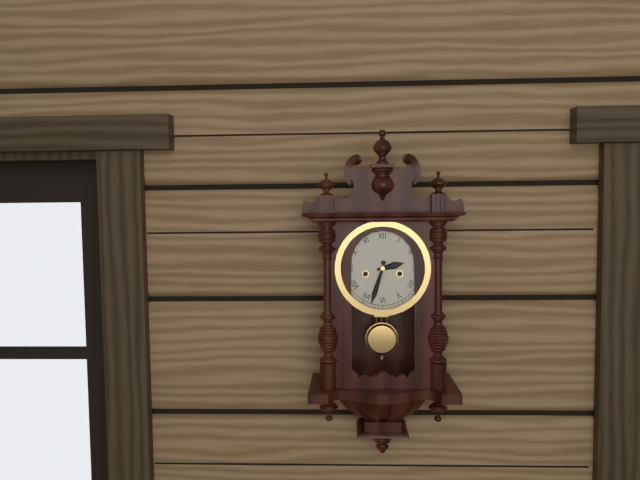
2.33
